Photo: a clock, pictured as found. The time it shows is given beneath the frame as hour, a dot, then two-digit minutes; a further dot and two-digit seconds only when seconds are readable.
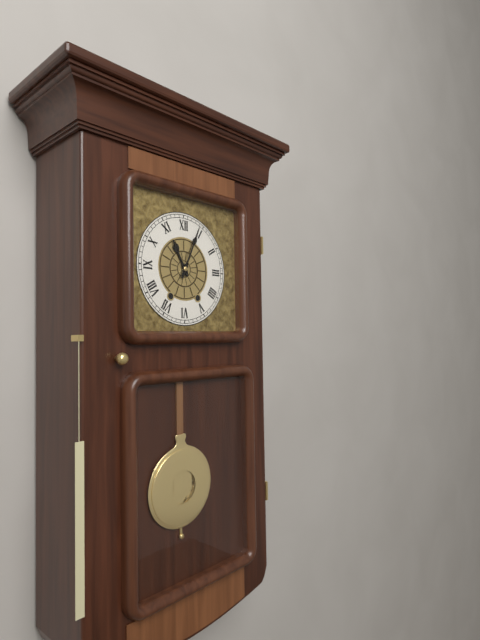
11.04
